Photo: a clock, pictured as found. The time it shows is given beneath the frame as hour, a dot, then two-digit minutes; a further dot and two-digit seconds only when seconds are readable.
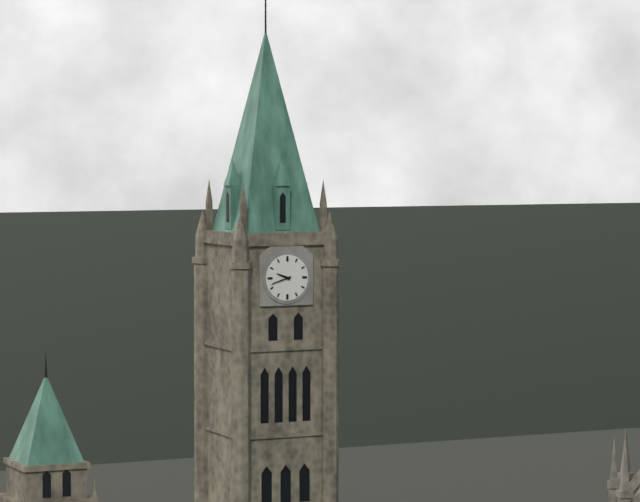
9.42
